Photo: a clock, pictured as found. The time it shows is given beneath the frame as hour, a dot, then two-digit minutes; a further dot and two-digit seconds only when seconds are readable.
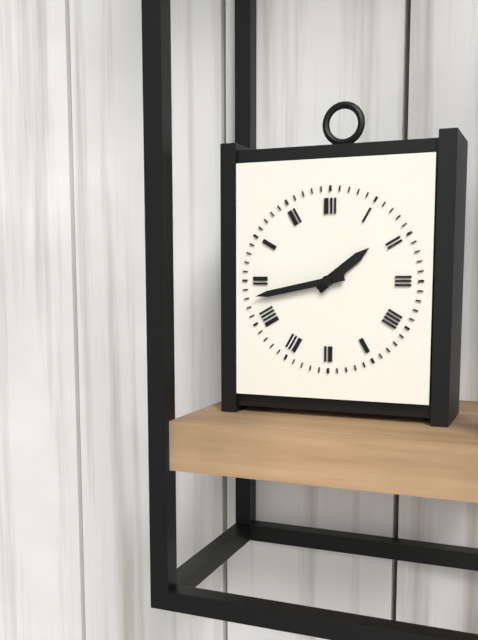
1.43
